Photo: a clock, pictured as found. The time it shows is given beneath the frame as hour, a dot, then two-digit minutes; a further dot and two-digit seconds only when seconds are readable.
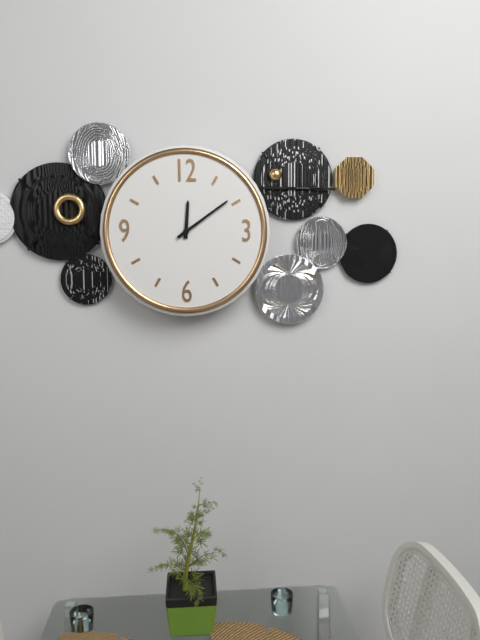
12.09
